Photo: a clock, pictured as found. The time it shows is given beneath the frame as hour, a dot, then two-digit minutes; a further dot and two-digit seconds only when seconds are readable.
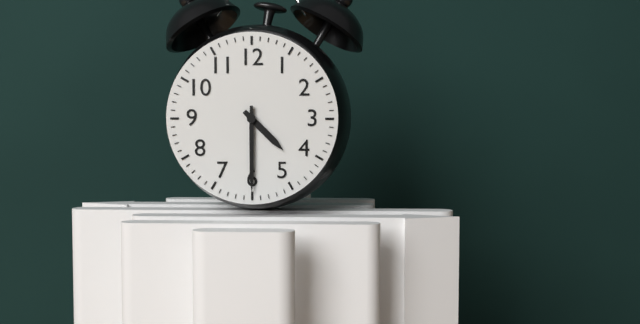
4.30
